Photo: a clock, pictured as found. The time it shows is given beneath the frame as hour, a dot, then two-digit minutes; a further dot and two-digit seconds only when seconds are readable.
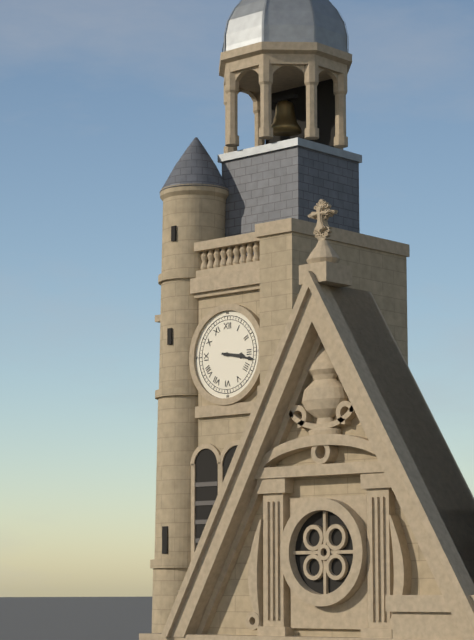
3.17
